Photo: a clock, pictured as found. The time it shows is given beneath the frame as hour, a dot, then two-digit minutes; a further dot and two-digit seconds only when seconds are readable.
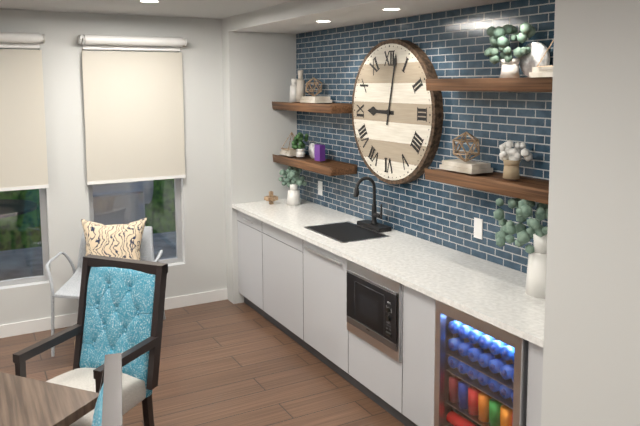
9.02
